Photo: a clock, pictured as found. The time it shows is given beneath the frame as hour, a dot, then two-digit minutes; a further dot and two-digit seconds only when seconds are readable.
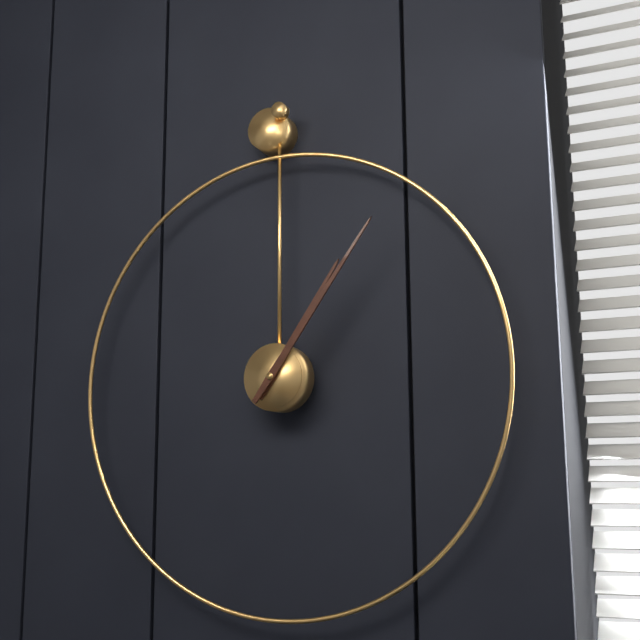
1.06
